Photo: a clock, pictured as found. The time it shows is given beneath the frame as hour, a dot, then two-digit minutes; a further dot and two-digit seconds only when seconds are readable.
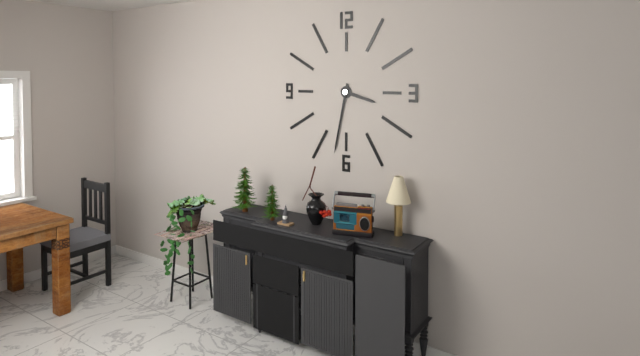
3.32
